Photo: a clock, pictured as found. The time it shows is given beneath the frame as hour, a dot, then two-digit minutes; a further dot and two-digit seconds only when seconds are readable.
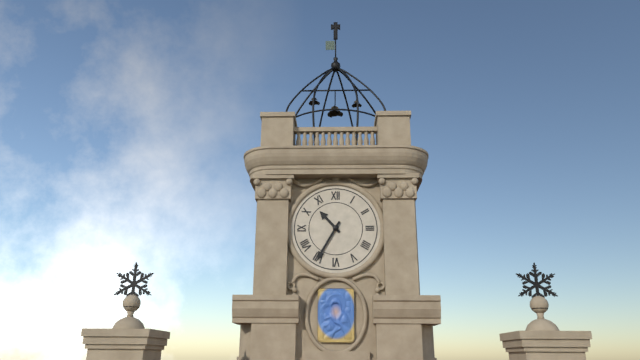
10.35
